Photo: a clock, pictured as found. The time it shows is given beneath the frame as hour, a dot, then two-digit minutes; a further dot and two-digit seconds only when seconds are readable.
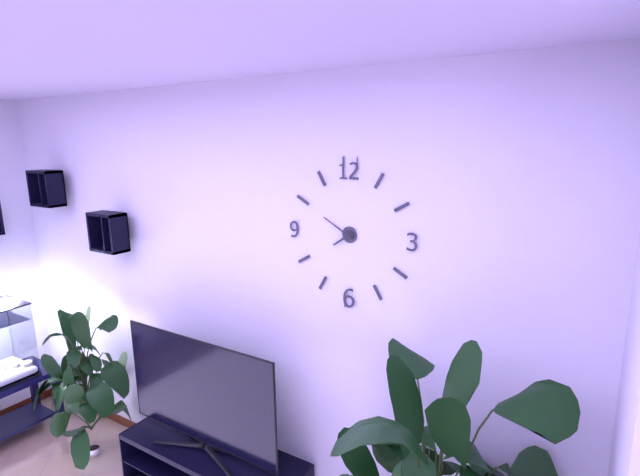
7.50
